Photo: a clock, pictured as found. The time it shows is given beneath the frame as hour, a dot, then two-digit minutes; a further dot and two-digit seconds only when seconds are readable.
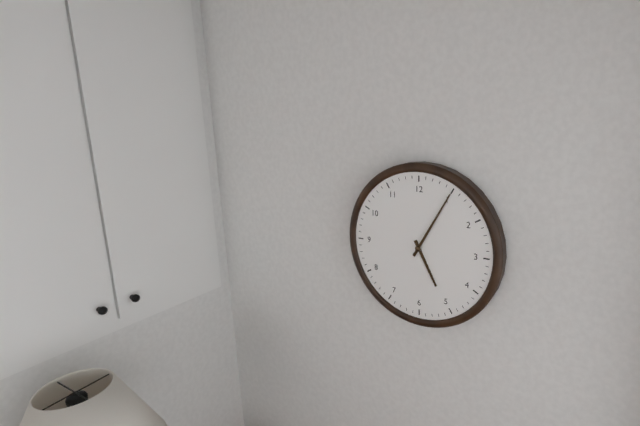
5.05
